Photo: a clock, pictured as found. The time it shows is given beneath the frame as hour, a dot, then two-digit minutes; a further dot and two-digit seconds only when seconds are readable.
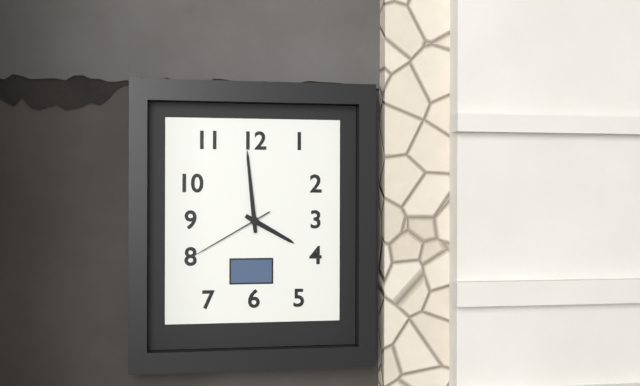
3.59.40
